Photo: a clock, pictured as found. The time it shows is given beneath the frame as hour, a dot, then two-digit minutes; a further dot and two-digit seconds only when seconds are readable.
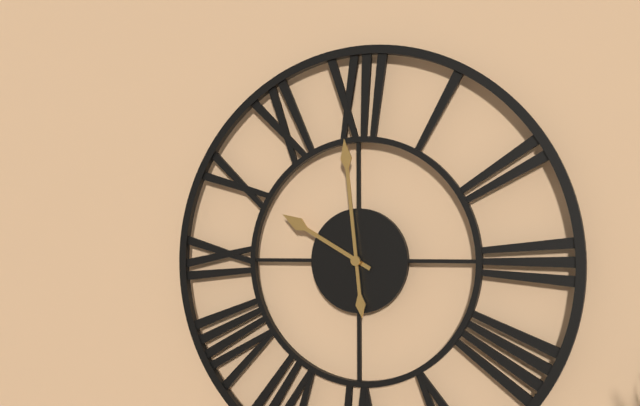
9.59
